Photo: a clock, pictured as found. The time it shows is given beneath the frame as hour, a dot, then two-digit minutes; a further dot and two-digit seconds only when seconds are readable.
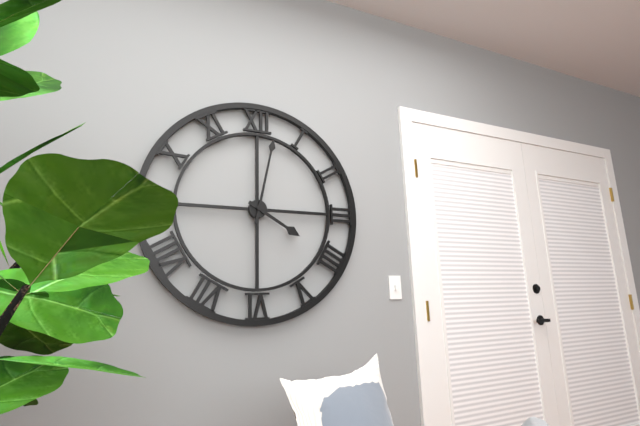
4.02
